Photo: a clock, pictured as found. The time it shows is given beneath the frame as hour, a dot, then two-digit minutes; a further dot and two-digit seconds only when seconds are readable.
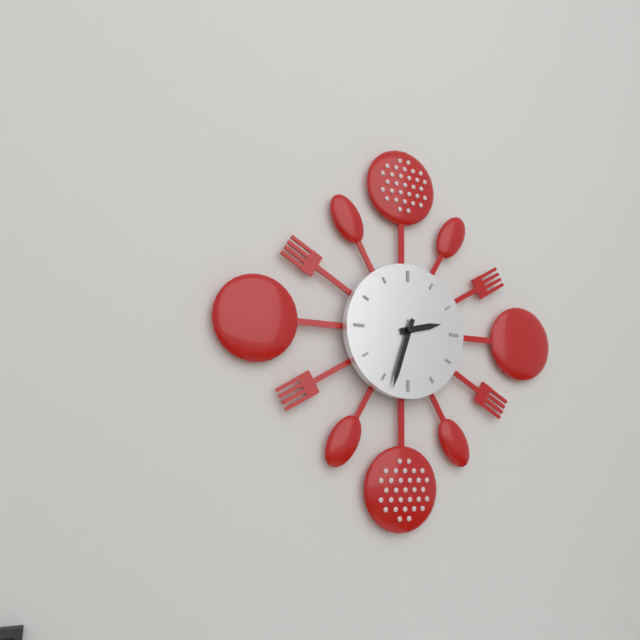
2.33
